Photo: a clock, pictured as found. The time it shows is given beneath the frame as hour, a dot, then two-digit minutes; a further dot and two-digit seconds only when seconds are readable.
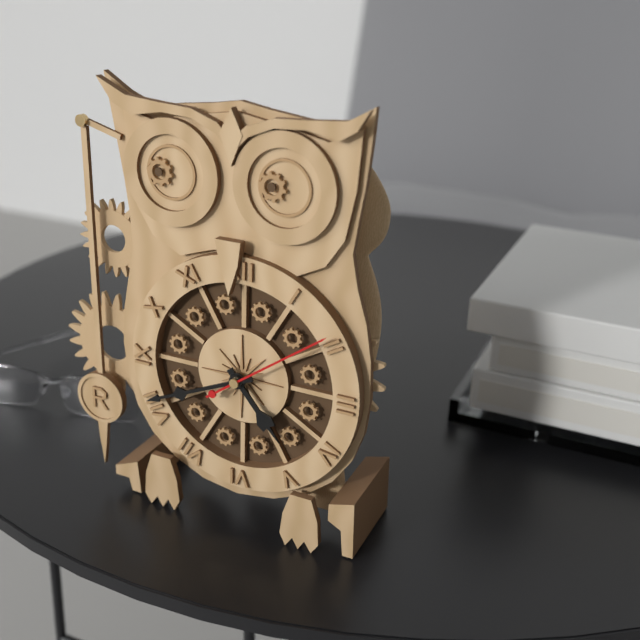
4.41.09
